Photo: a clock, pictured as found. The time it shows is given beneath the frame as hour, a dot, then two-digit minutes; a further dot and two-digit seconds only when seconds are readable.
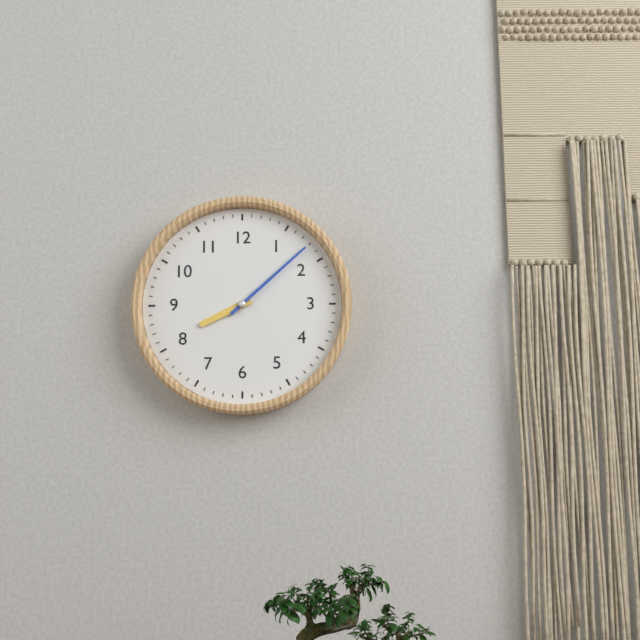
8.08
